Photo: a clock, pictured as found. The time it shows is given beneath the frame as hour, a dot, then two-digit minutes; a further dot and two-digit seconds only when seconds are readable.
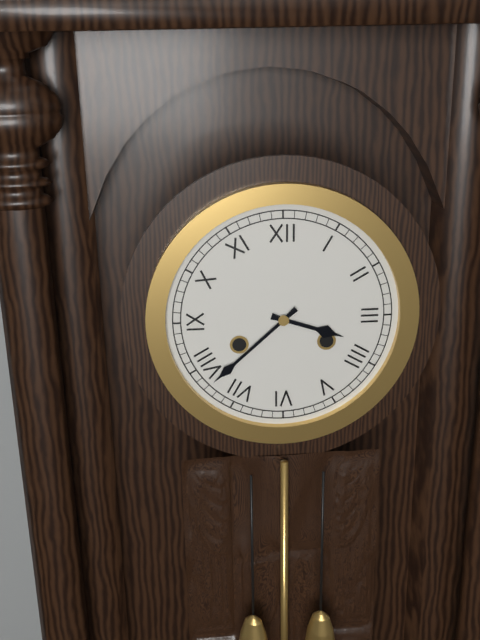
3.38
